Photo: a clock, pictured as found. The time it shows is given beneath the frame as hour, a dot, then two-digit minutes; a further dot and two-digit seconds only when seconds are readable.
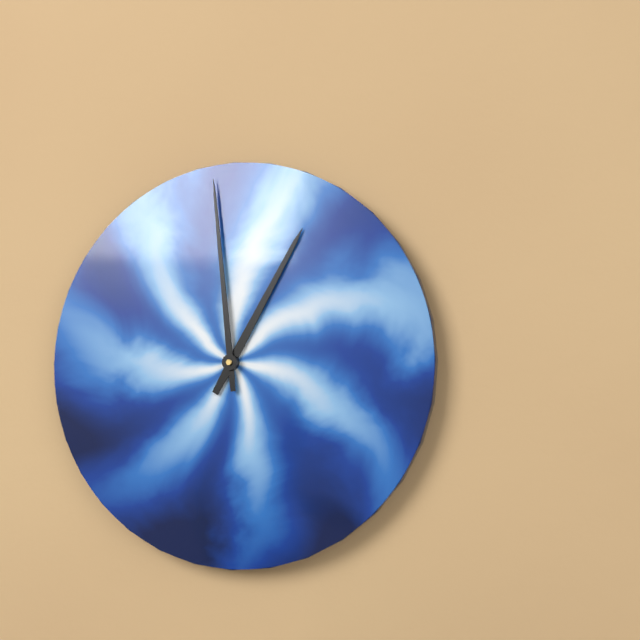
12.59
